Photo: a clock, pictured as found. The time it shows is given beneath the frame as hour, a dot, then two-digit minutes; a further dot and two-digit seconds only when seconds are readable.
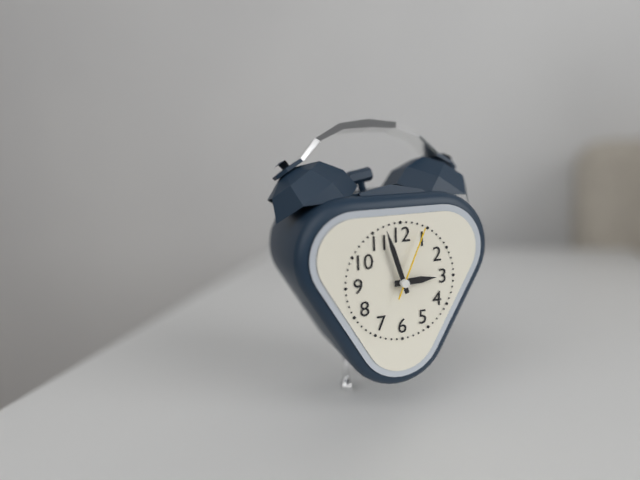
2.57.04
